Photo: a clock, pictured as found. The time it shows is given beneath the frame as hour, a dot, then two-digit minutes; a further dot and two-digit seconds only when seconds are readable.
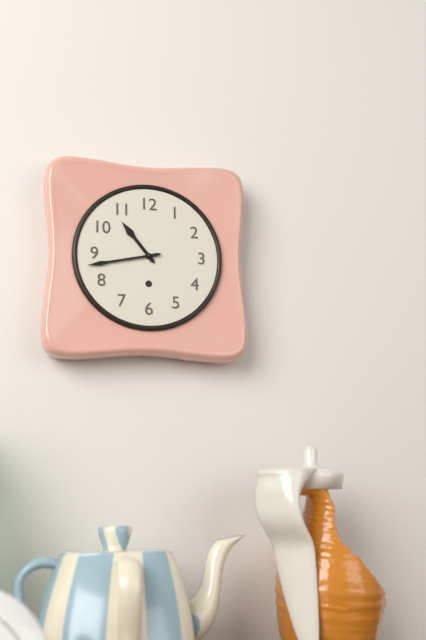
10.43
